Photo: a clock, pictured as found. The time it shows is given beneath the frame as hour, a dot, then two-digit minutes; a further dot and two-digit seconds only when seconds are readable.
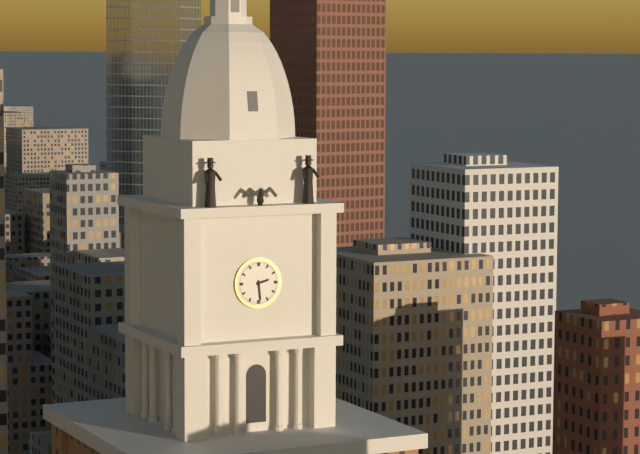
2.29
